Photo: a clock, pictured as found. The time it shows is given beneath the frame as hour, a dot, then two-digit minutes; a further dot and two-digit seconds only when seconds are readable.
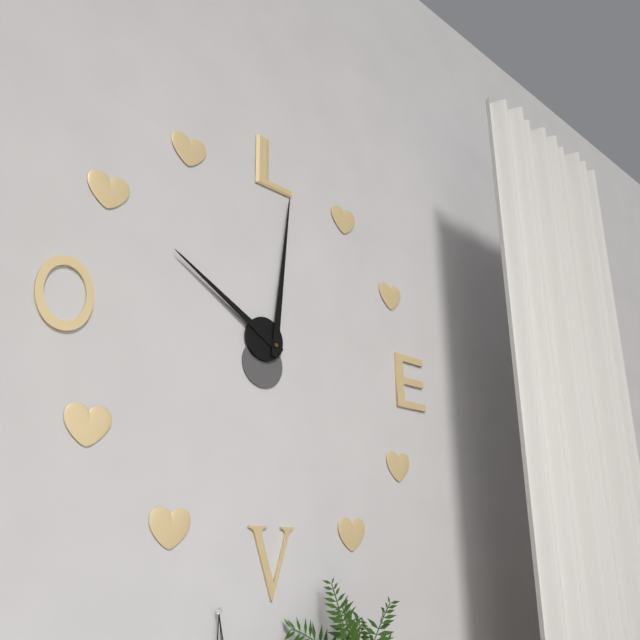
10.01
